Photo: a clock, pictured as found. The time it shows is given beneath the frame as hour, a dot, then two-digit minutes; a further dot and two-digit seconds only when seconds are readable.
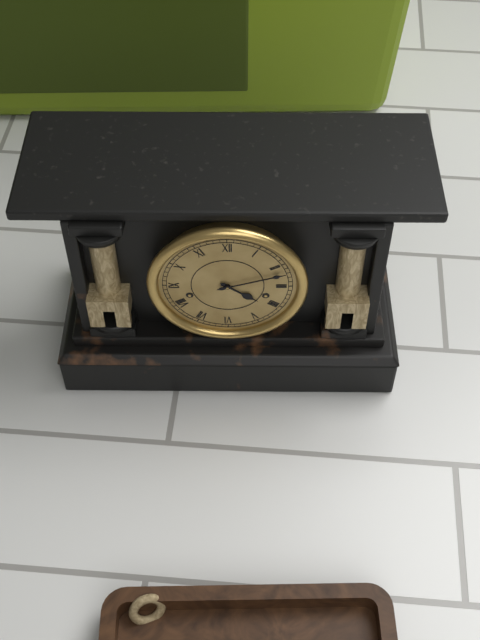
4.12
